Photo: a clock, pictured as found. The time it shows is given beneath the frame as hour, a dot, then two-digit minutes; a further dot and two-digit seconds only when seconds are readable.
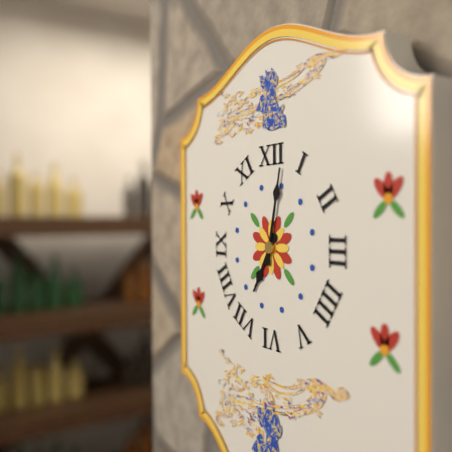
7.02
